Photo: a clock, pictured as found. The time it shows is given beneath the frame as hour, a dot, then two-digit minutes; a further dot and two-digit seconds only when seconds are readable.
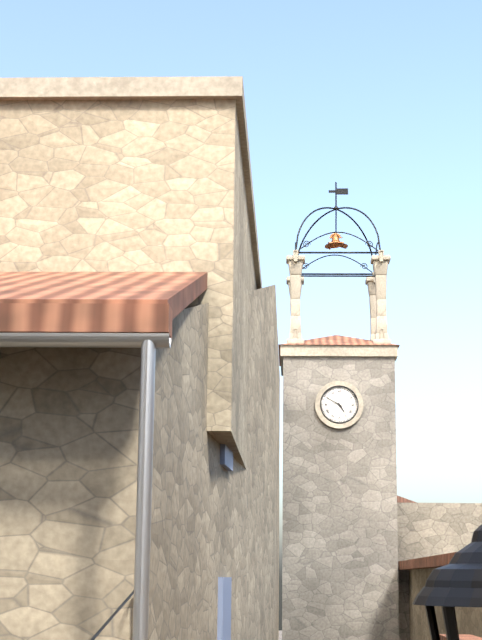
4.50
